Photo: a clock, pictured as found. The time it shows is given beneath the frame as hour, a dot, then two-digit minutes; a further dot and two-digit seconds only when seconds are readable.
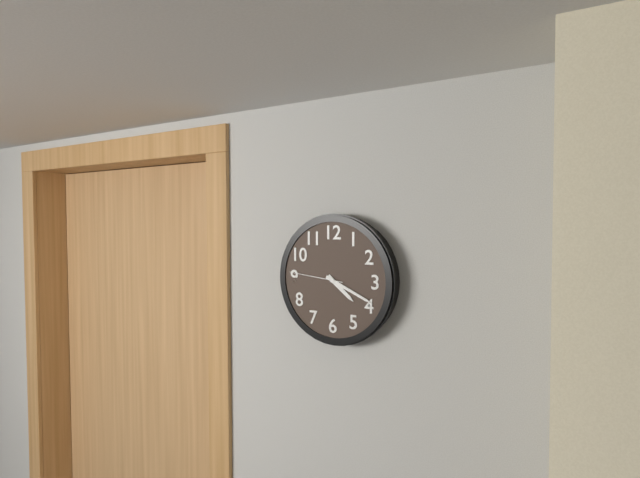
4.19.46
